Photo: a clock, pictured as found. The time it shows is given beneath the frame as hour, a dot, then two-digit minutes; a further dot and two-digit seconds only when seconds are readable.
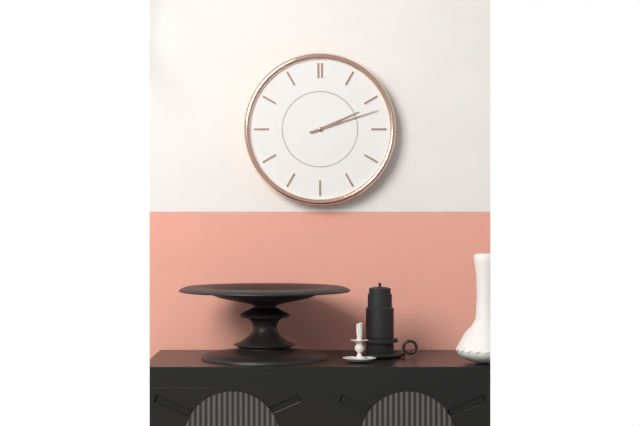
2.12
